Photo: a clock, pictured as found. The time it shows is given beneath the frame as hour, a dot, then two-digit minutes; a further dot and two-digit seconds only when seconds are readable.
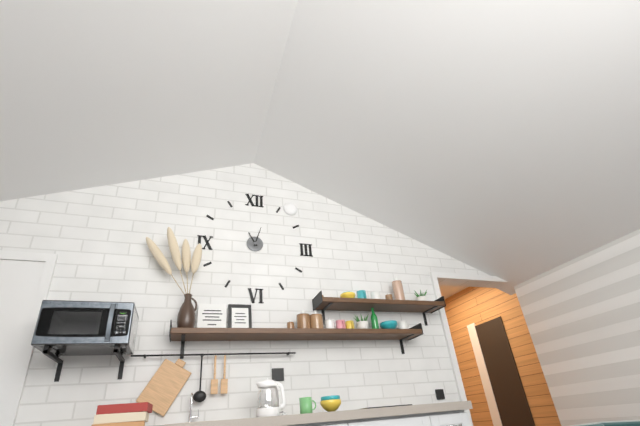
11.03
